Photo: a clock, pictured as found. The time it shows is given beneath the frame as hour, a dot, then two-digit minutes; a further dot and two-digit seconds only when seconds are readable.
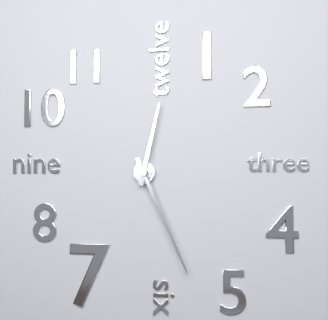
12.26
